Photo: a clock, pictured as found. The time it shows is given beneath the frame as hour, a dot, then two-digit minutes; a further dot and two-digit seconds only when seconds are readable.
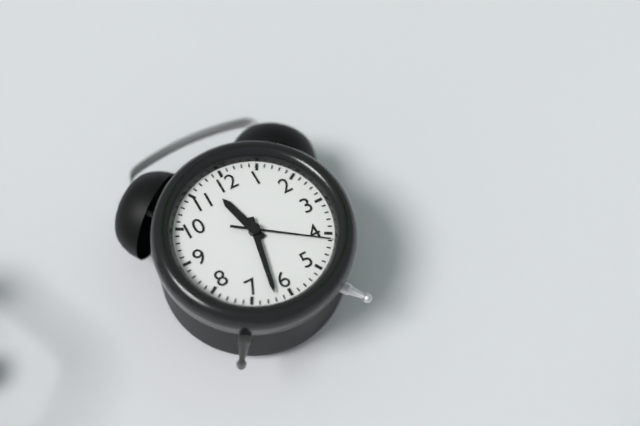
11.32.21
